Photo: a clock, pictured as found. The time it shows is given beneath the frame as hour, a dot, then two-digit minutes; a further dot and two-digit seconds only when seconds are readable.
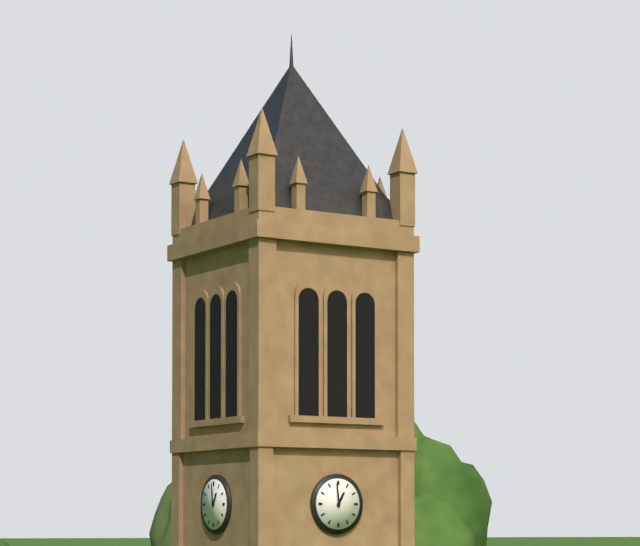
12.59
